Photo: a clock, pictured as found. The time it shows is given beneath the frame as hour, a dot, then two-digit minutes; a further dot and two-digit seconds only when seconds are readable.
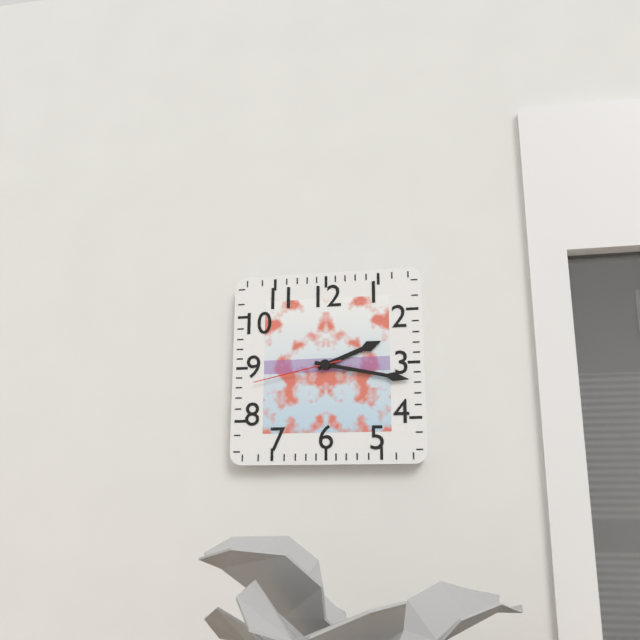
2.17.43
